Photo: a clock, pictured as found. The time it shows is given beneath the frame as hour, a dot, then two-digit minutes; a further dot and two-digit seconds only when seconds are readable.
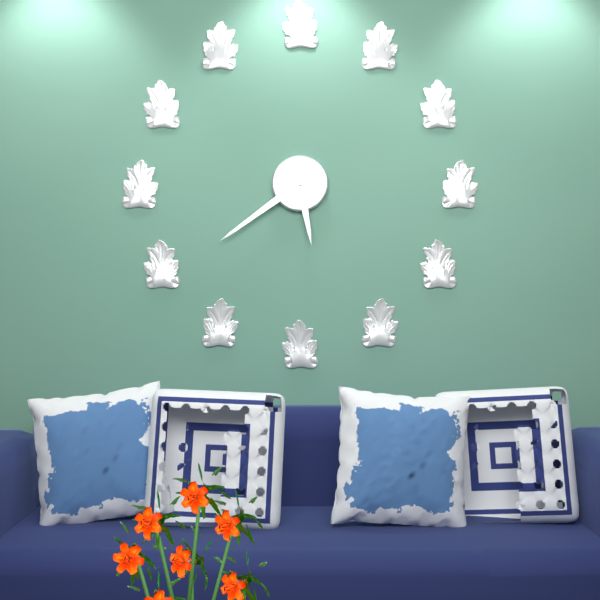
5.39
